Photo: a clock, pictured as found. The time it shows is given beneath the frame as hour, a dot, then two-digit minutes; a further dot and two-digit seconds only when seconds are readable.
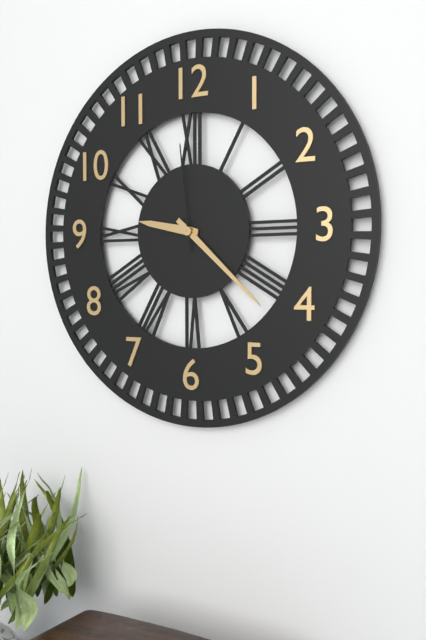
9.22.59
